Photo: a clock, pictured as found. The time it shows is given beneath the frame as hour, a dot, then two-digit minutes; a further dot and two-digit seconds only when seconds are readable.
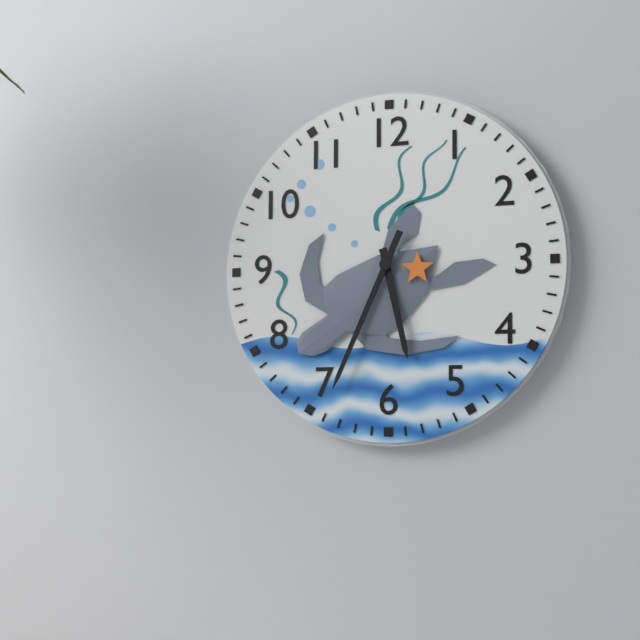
5.34
